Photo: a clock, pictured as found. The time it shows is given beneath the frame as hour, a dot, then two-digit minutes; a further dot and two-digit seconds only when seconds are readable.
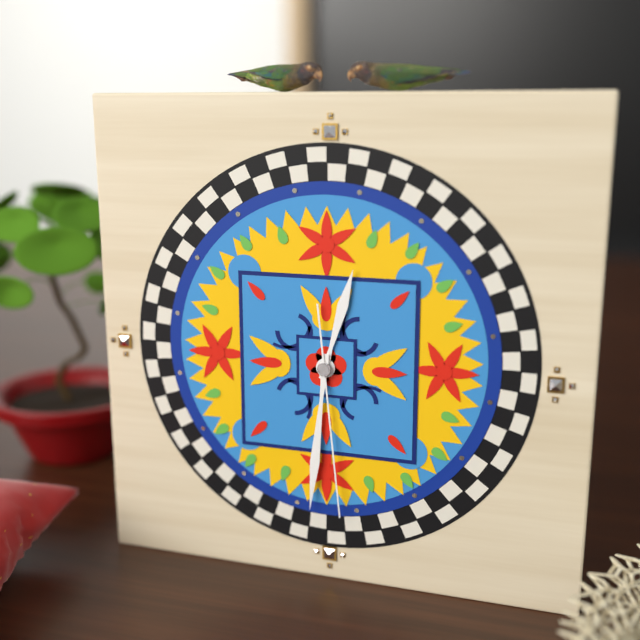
12.31.29
